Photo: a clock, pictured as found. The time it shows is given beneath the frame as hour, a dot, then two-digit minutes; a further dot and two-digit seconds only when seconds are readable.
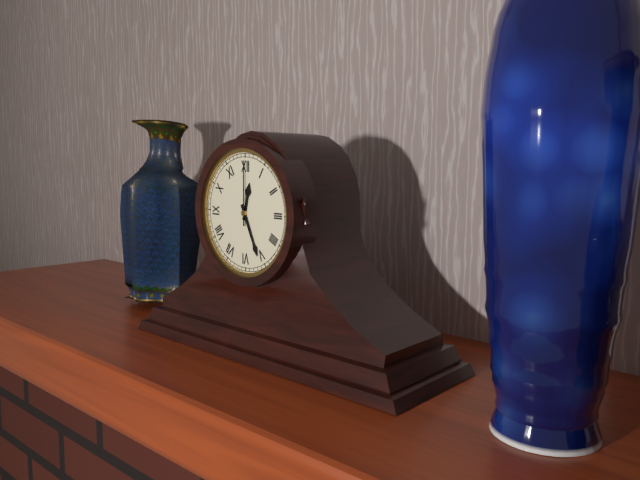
12.26.00
